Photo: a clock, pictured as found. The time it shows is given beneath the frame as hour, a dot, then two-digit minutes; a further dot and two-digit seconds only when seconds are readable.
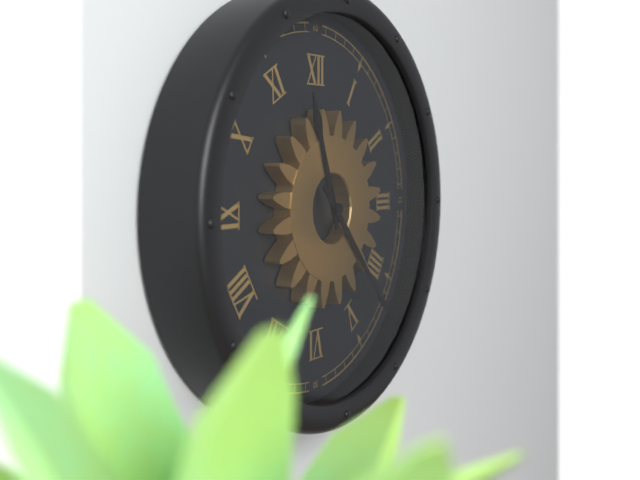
11.23
